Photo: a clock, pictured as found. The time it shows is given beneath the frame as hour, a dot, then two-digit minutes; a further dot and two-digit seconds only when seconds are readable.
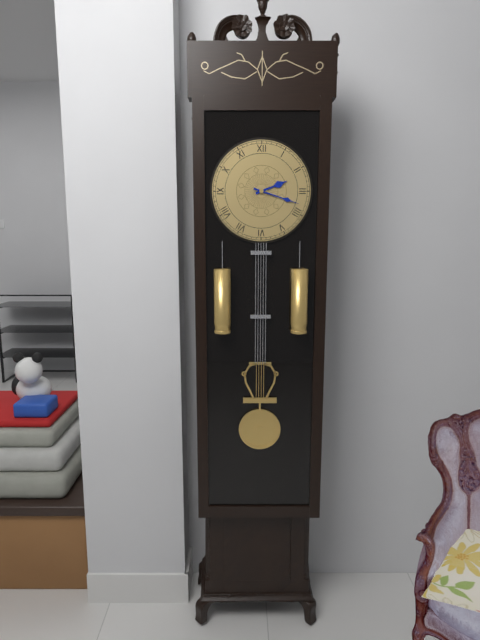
2.18
